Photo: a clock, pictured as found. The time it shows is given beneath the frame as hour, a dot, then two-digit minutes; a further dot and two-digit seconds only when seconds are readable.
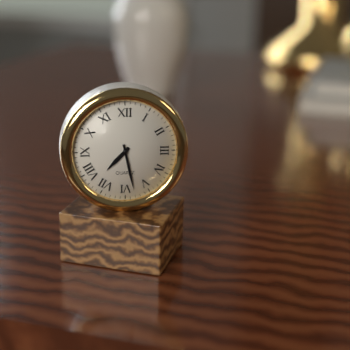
7.28
